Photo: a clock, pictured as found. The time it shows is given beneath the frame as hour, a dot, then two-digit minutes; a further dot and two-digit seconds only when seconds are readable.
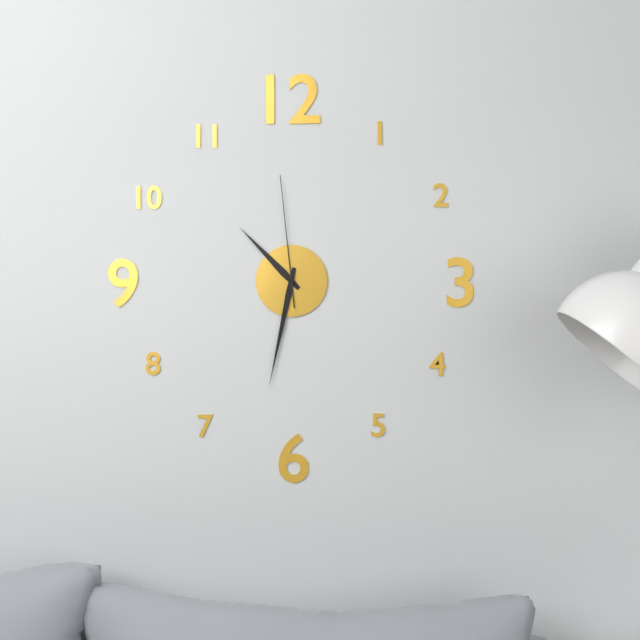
10.32.59
